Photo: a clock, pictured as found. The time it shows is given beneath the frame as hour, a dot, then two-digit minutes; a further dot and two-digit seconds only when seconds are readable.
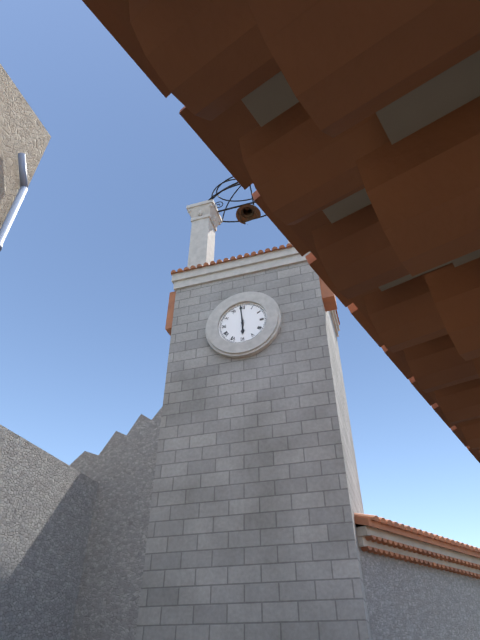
5.59
